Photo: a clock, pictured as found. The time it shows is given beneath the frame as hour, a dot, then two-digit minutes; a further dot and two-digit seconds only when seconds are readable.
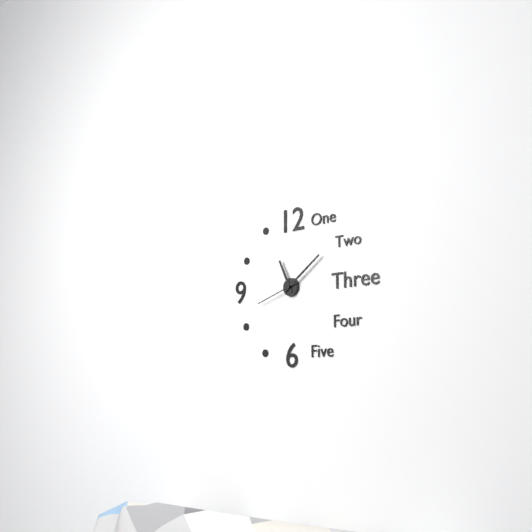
11.09
